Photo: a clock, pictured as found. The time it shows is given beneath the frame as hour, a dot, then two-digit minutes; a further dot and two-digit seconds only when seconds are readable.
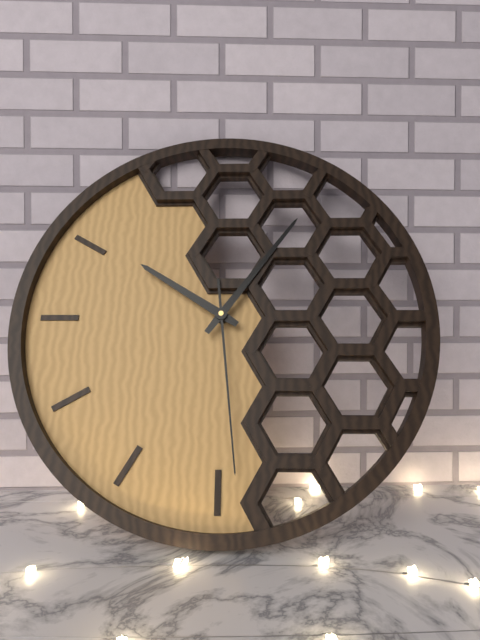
10.06.29
